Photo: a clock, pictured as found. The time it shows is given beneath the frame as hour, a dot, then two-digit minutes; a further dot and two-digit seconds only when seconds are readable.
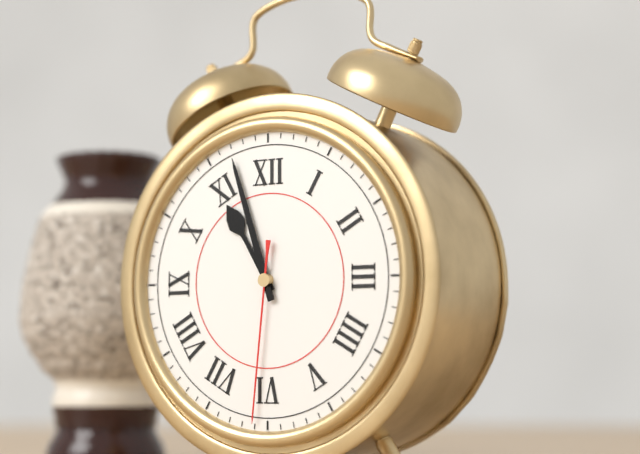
10.57.31
